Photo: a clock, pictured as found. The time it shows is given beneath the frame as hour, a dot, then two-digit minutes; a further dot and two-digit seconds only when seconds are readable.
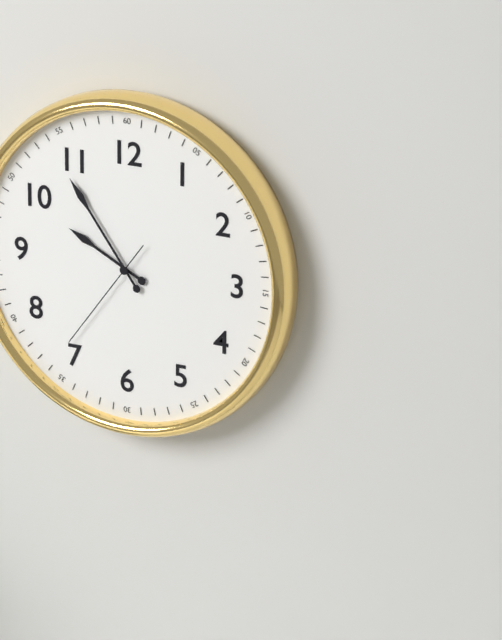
9.54.36
